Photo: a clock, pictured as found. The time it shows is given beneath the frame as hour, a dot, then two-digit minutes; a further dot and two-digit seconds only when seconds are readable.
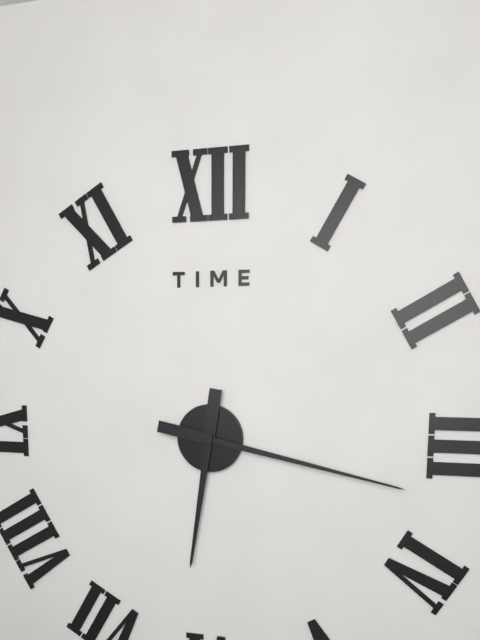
6.17
